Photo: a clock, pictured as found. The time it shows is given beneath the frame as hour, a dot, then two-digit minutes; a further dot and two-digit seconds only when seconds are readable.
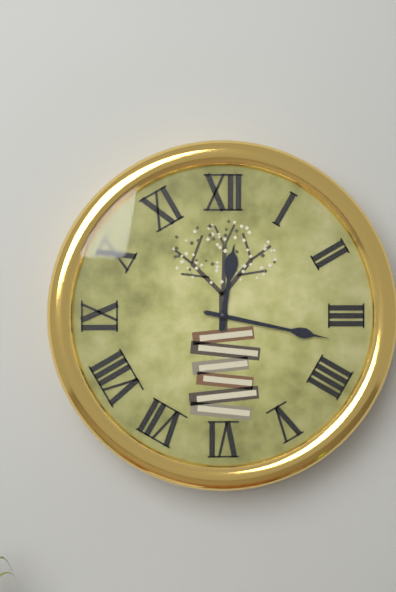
12.17
